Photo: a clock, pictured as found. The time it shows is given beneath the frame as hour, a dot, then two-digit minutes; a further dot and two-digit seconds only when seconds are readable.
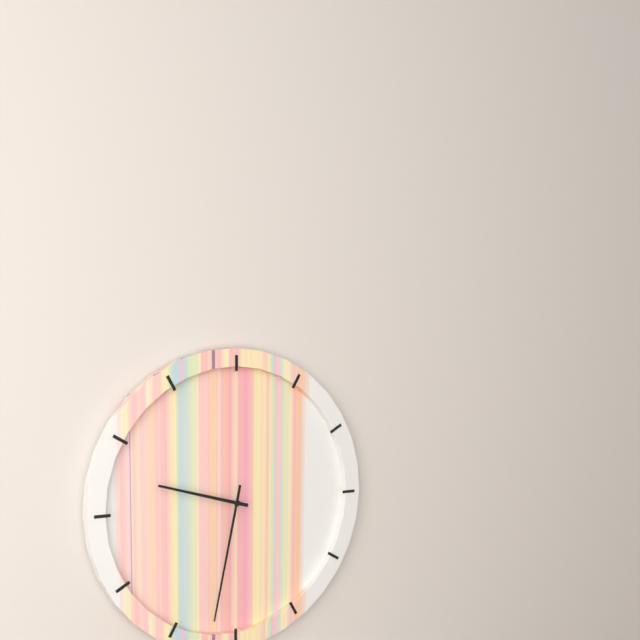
9.32
